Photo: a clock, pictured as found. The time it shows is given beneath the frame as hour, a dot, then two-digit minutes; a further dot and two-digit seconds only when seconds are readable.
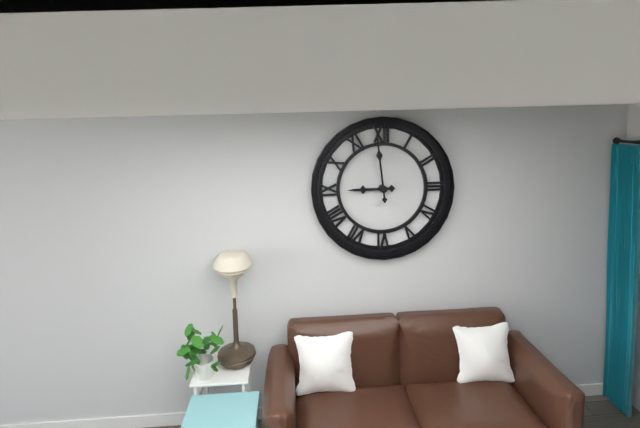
8.59
